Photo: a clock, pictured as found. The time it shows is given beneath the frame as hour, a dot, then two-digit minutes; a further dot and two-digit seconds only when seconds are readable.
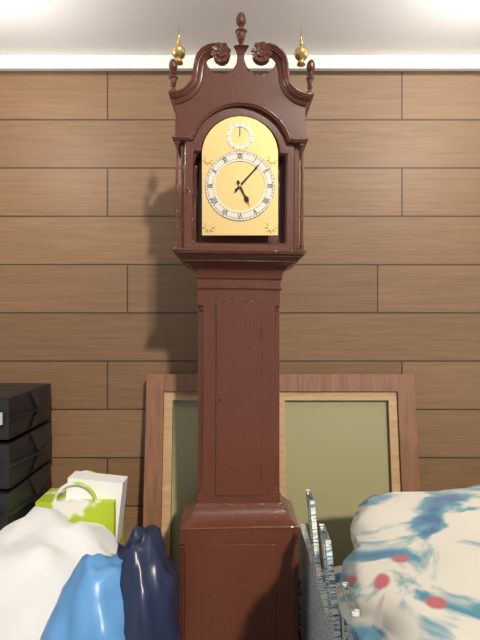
5.07
